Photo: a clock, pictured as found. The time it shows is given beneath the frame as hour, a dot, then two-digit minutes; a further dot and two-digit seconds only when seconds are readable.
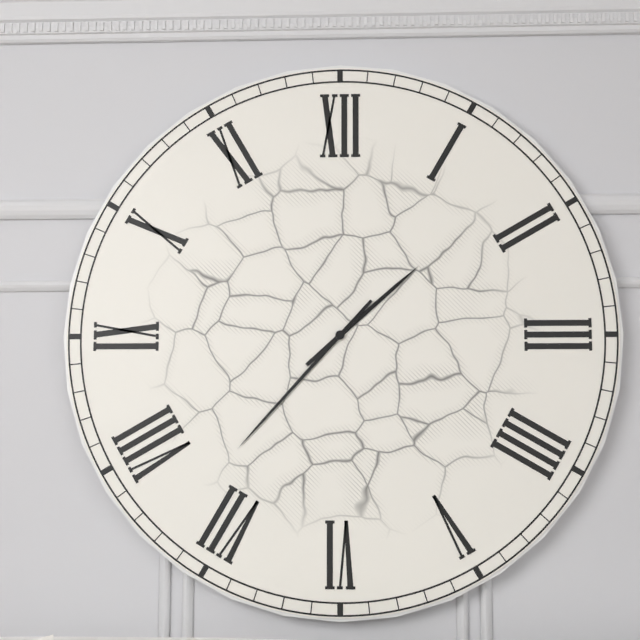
1.37
